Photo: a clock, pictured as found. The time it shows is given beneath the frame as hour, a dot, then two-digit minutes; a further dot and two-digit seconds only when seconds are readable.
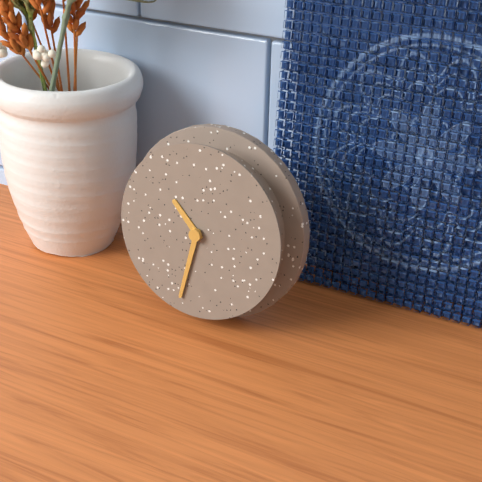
10.32
